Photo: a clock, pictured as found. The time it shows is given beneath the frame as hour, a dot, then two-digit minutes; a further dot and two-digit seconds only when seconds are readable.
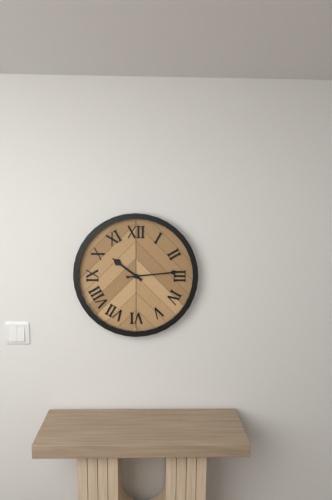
10.14
